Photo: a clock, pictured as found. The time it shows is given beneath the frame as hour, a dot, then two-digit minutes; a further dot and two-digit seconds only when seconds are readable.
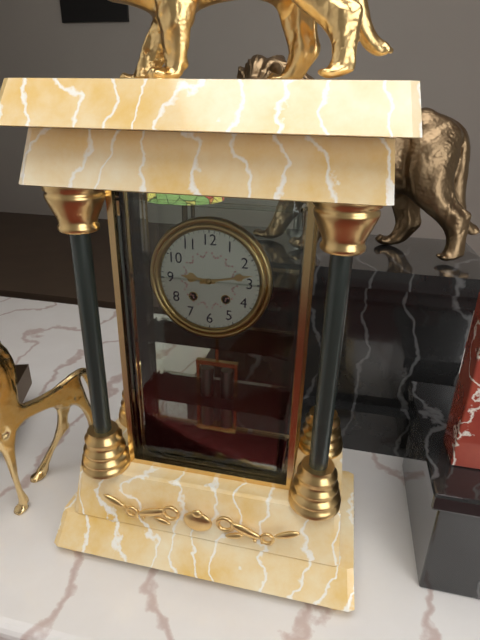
9.13
